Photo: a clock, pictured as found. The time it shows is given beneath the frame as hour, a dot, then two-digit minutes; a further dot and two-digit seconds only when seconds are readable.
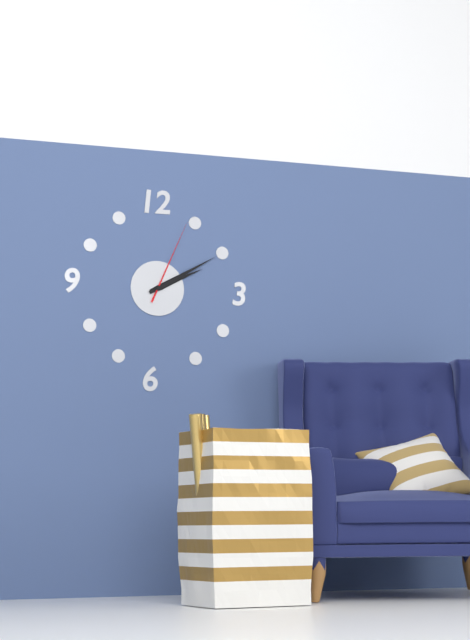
2.10.04
